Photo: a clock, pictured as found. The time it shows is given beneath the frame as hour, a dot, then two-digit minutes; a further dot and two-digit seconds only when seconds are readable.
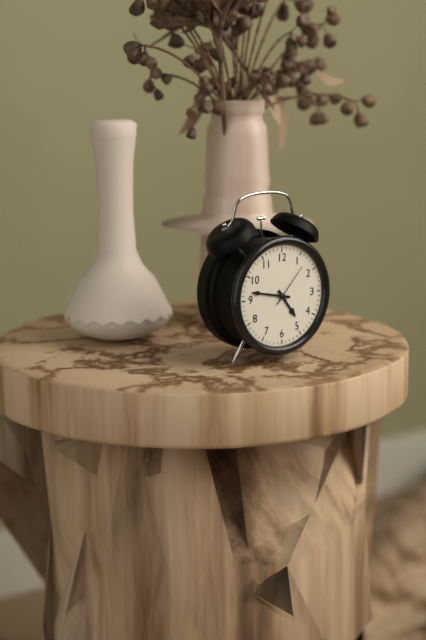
4.47
